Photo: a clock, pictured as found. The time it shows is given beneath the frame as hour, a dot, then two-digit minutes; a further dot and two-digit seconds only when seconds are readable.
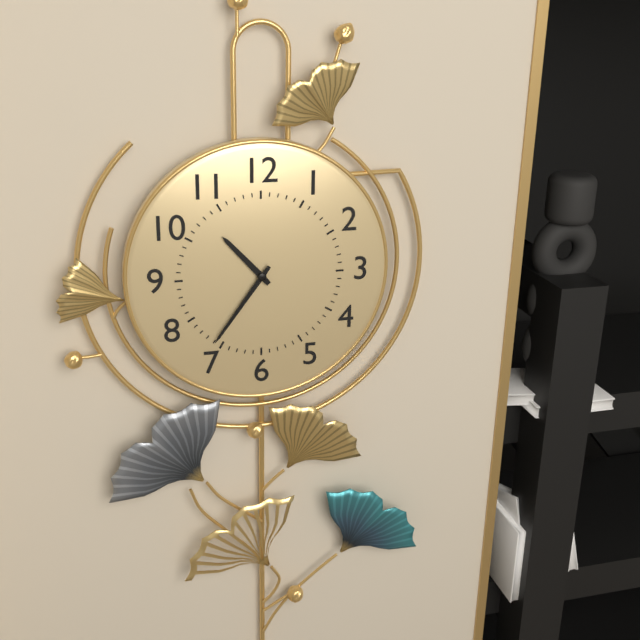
10.36
